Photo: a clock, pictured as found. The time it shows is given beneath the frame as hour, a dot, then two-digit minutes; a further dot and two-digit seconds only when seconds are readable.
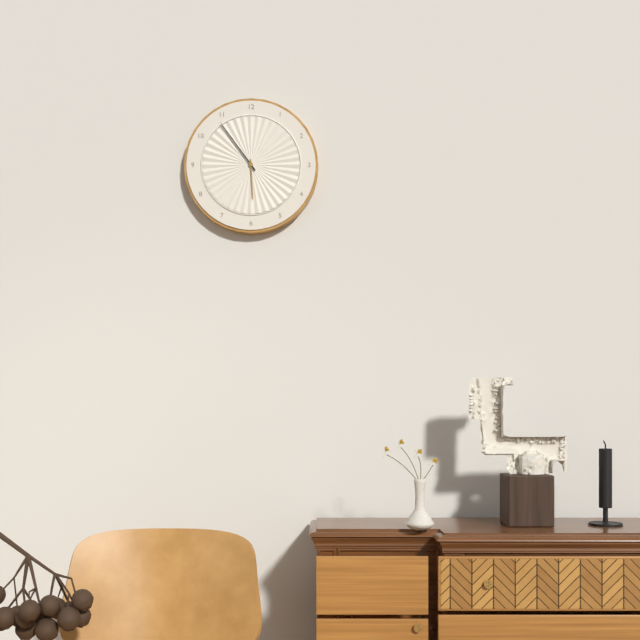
5.54
